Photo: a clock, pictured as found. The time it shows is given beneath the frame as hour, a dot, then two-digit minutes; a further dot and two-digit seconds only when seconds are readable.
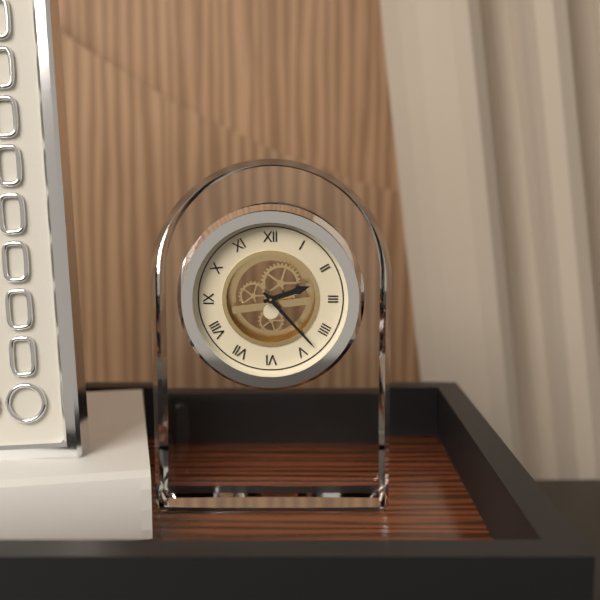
2.23
